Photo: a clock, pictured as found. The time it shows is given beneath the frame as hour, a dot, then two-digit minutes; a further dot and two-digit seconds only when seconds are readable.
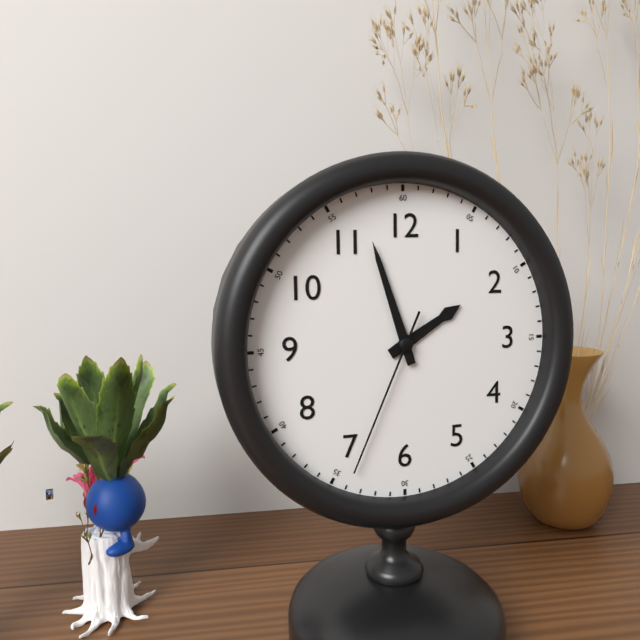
1.57.34
